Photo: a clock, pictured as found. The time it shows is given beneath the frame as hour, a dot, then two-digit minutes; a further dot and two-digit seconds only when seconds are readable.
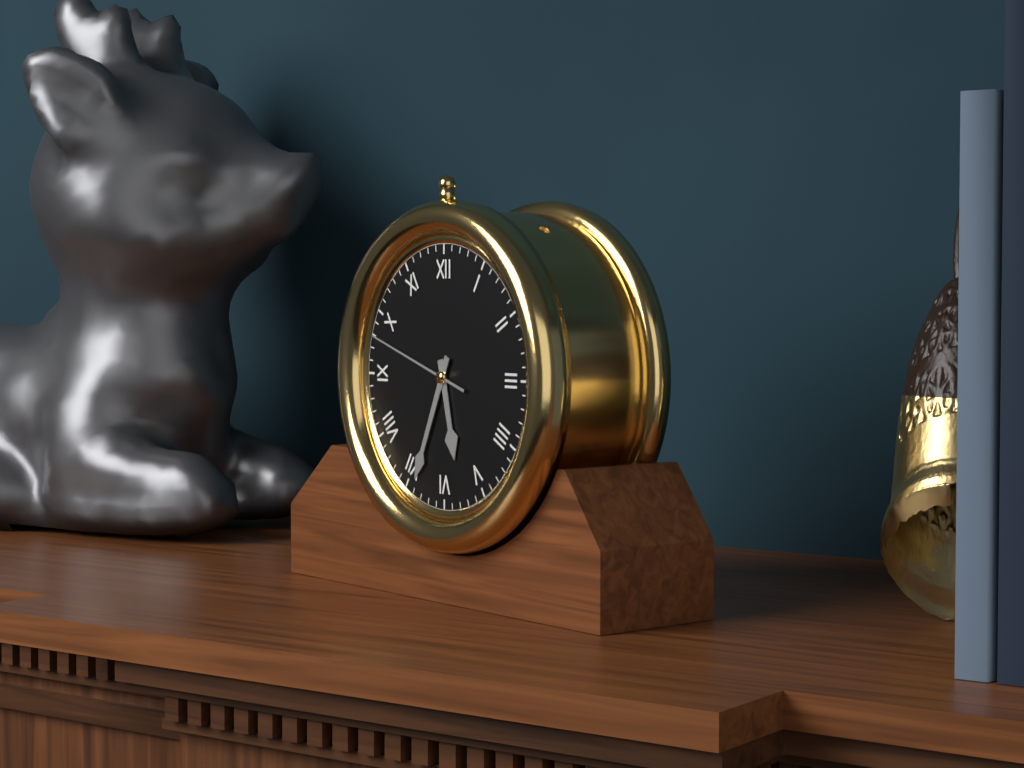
5.34.48
